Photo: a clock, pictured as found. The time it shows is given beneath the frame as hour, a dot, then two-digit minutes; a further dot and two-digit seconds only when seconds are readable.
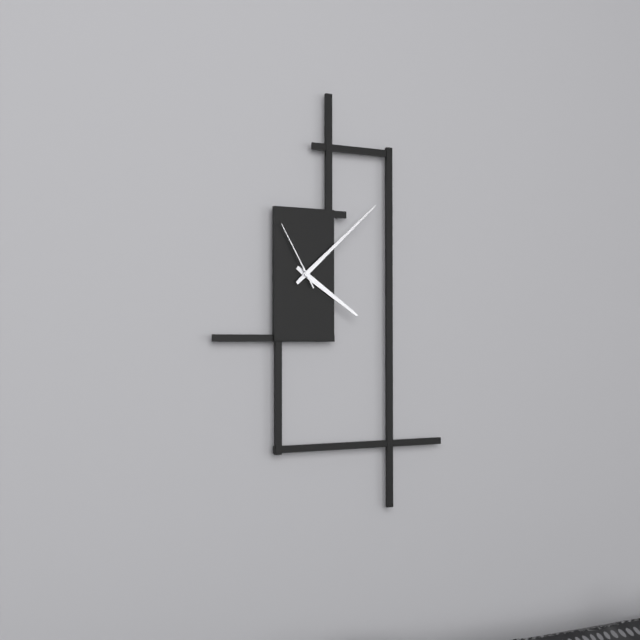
4.08.55
